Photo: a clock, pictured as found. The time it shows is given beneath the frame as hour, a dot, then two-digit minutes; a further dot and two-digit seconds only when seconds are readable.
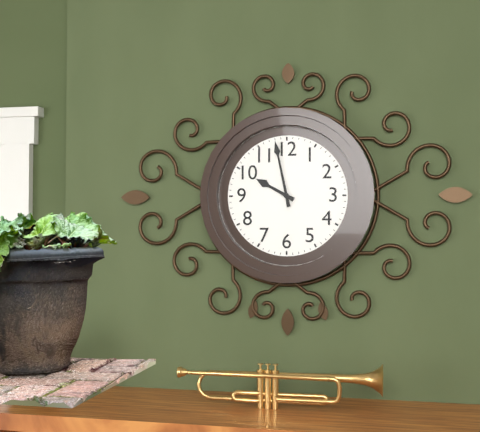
9.58
